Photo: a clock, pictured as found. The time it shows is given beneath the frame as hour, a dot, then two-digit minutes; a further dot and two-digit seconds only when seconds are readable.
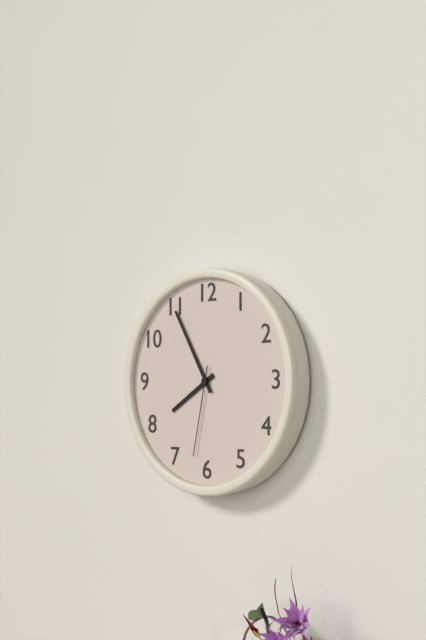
7.55.32
